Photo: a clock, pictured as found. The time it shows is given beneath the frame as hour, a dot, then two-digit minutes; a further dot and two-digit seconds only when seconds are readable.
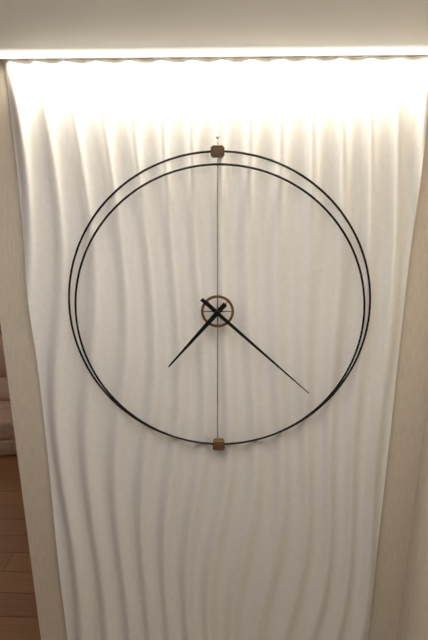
7.22
